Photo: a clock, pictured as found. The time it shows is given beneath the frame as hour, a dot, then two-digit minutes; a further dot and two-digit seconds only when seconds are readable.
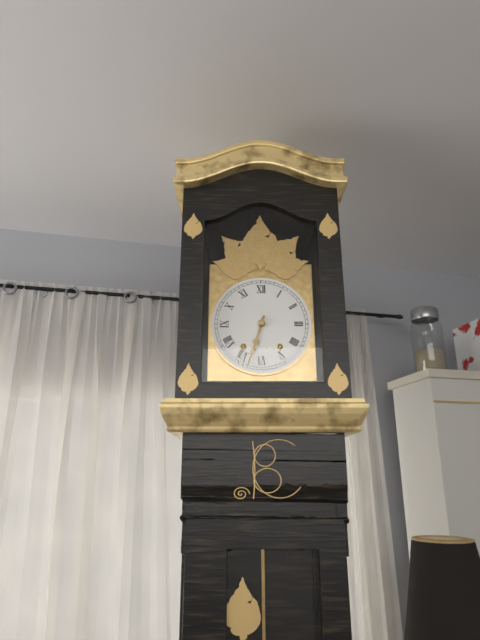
6.33
